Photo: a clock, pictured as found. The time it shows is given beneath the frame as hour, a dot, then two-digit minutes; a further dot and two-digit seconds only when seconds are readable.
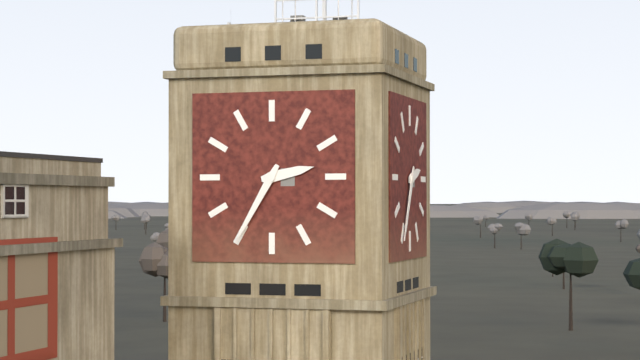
2.35
